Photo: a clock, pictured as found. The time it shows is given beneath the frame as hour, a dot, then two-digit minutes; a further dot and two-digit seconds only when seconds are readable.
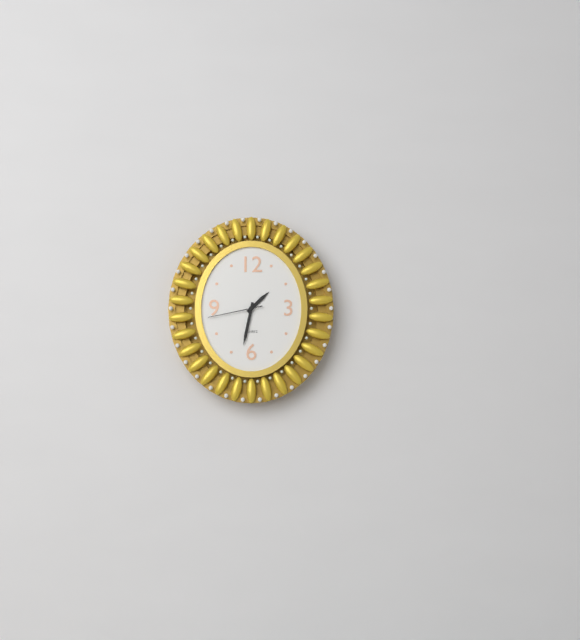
1.32.43
